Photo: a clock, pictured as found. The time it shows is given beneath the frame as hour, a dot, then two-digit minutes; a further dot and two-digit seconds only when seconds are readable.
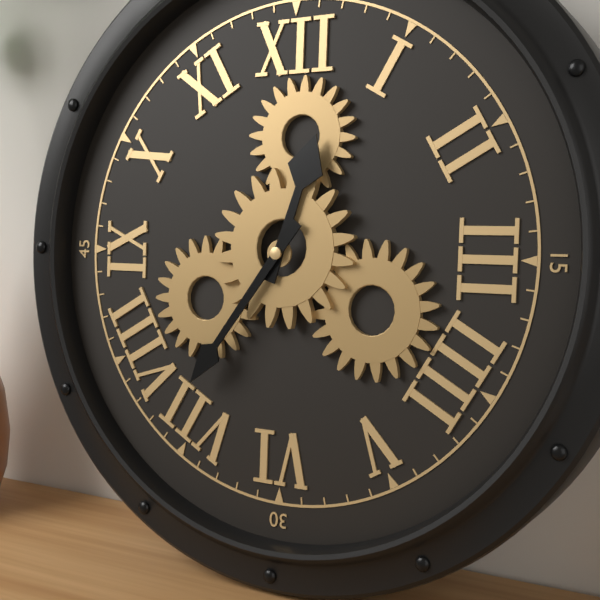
12.36
